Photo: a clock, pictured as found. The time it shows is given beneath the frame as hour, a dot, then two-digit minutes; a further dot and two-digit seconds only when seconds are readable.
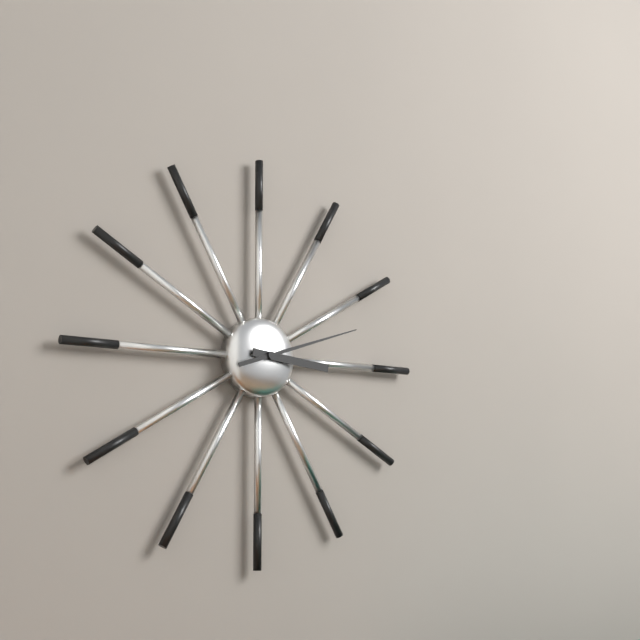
3.12
